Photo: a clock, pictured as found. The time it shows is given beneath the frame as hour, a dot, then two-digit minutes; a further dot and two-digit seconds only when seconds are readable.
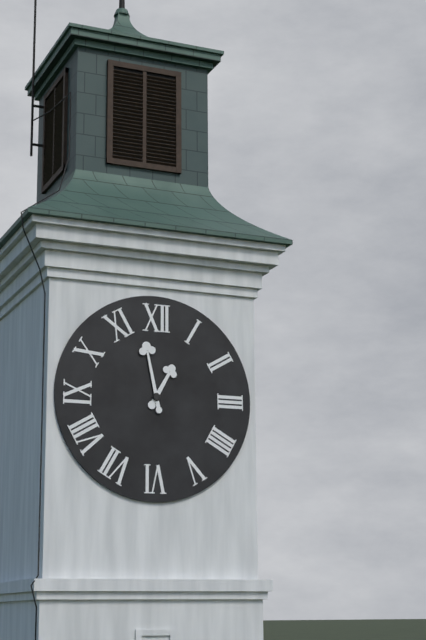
12.58
